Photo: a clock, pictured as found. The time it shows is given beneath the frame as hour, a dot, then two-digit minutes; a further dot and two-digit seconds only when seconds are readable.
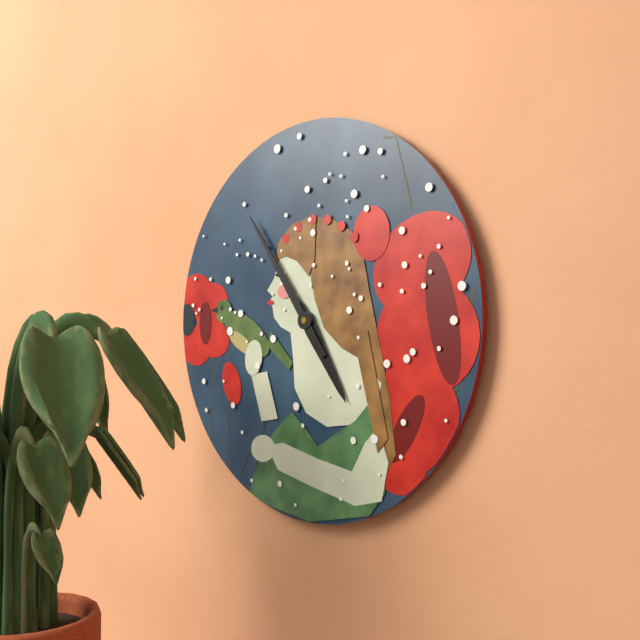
4.54
